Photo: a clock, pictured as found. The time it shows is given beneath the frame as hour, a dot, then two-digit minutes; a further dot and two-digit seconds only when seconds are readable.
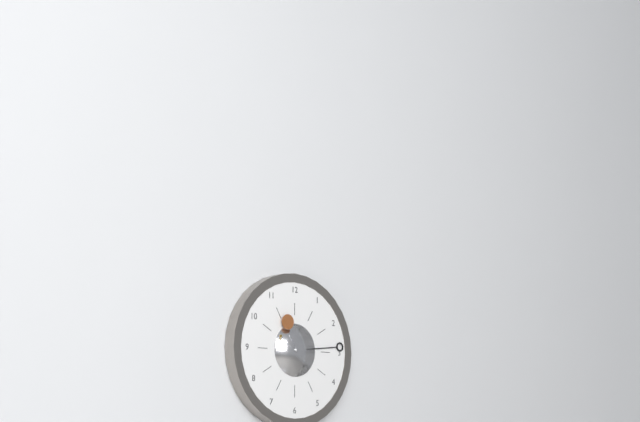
11.14
